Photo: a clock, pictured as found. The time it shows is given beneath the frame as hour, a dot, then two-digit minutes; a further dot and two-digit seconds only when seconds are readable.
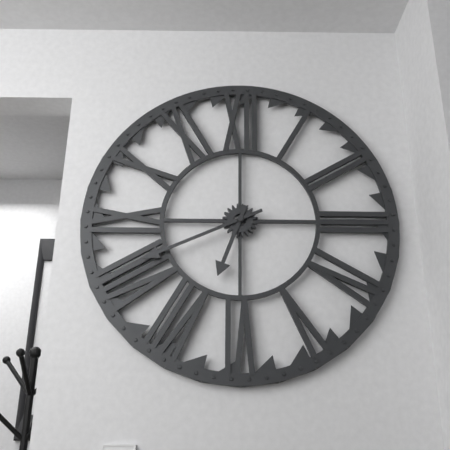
6.41
